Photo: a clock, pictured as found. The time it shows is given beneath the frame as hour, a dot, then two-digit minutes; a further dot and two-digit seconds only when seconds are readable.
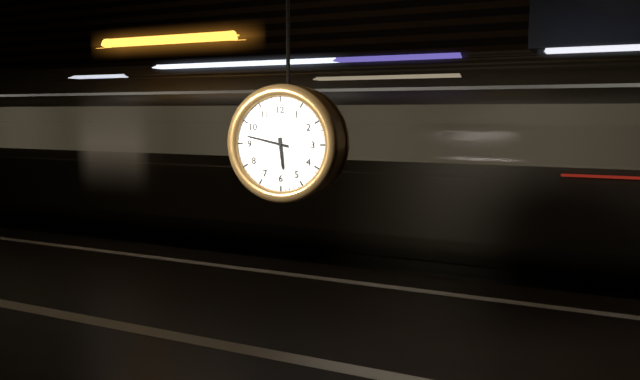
5.47
